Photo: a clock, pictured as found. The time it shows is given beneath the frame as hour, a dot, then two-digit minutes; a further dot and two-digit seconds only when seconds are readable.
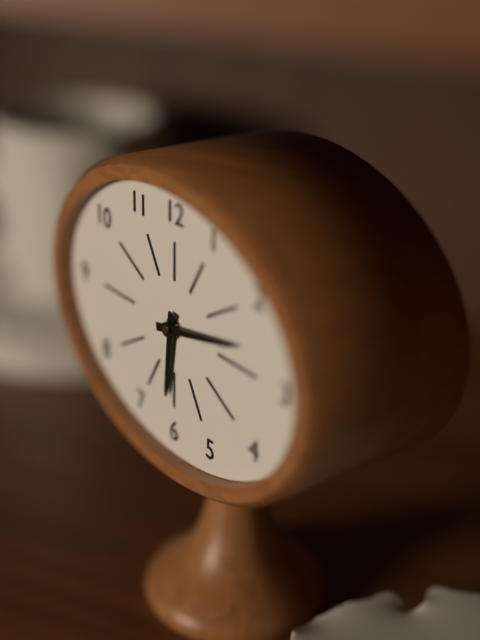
6.13
